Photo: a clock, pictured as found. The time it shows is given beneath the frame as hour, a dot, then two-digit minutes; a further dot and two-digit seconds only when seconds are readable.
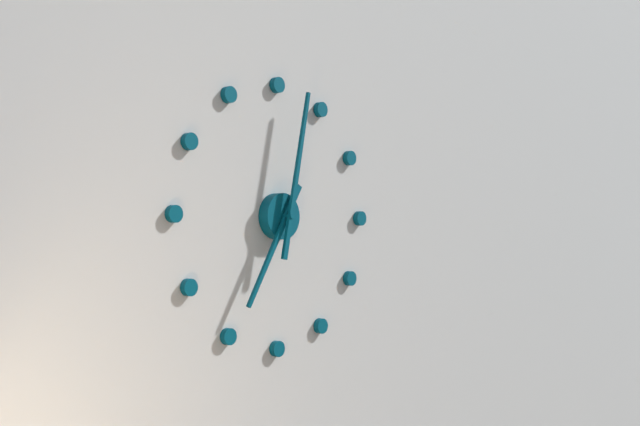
7.02
